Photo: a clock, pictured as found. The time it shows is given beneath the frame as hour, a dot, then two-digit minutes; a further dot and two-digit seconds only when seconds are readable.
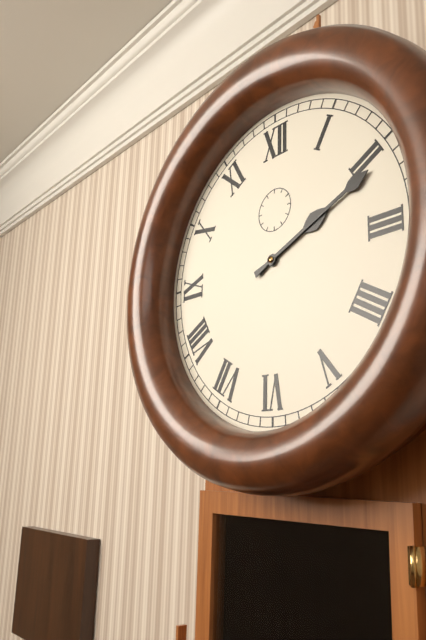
2.11
